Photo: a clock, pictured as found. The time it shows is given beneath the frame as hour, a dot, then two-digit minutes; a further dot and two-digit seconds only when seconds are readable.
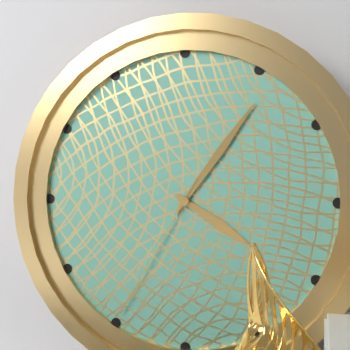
4.06.35
